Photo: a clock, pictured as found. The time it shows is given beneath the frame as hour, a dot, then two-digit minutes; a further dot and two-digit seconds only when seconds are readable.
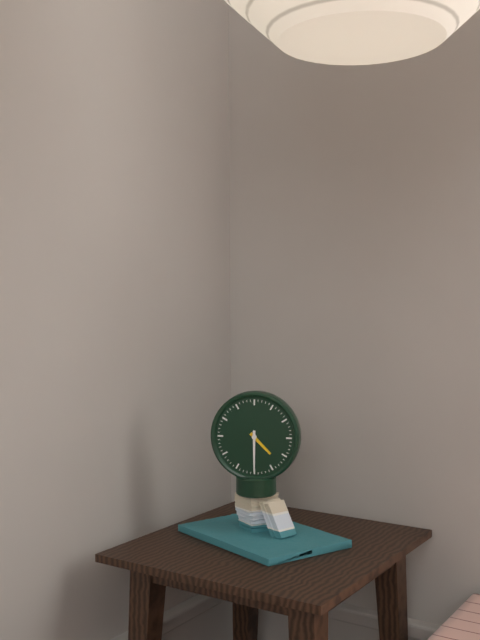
4.30
